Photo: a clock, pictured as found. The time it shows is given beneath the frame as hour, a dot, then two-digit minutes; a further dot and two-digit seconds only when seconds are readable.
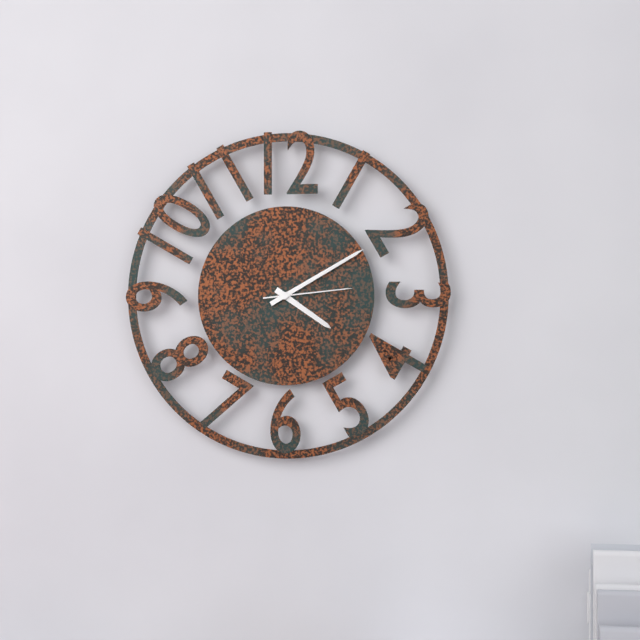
4.10.14
